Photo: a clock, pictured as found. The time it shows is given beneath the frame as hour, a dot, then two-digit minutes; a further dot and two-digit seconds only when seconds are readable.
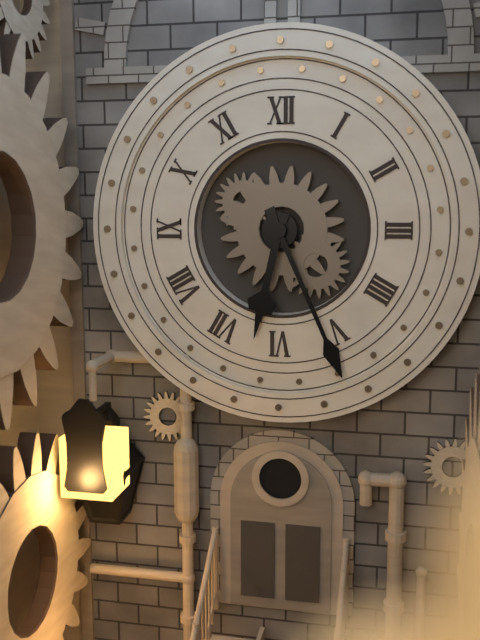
6.26
